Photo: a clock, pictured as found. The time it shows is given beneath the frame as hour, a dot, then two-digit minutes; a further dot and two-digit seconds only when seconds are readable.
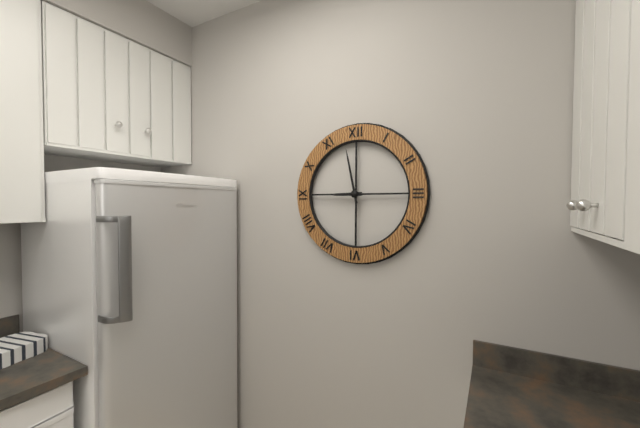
8.58
